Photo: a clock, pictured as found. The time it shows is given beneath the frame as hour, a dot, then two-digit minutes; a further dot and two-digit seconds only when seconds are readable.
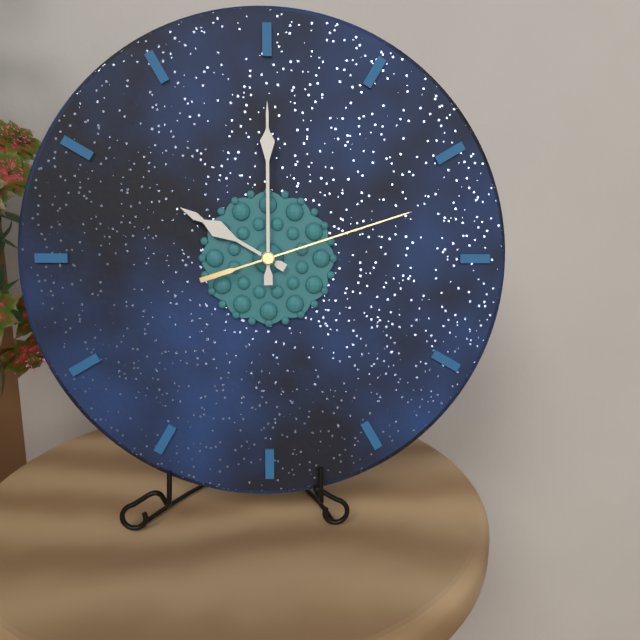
10.00.12
